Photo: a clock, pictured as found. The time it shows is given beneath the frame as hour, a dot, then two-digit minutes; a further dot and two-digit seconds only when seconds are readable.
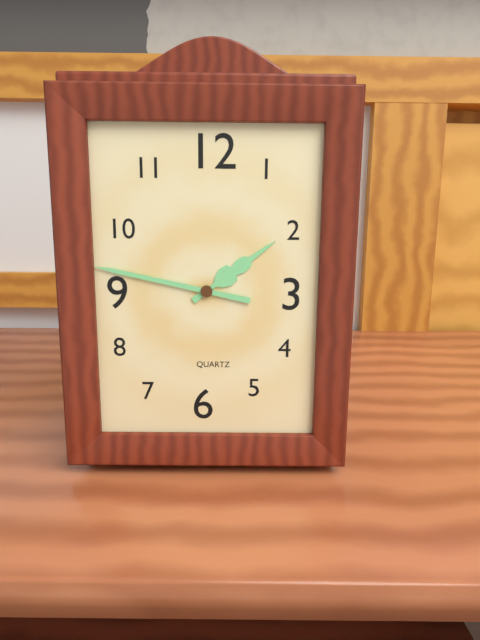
1.47
